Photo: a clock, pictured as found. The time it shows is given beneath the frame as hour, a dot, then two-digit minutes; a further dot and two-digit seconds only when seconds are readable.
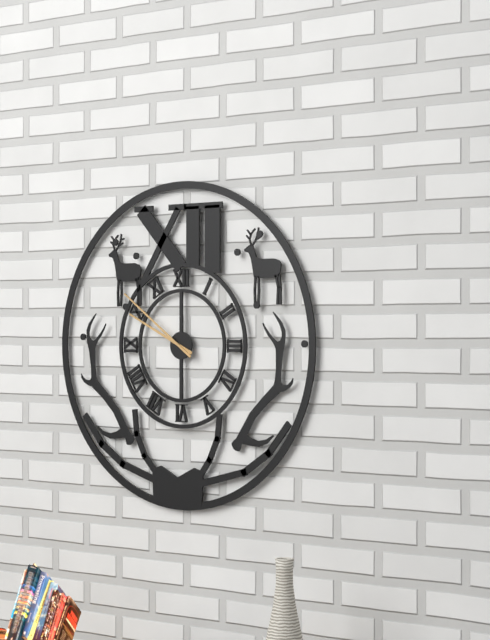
9.51
